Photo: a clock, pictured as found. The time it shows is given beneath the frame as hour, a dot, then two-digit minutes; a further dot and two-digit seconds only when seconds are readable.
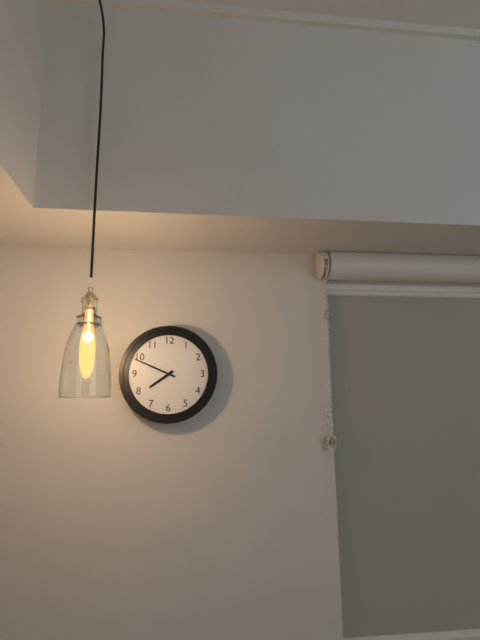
7.49
